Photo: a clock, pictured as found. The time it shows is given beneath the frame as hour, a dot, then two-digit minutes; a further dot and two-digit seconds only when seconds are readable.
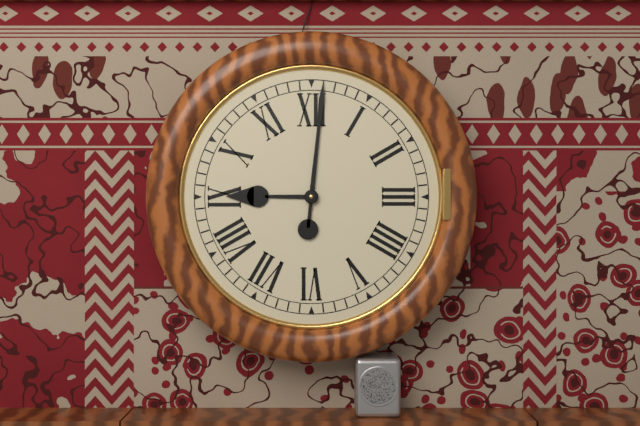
9.01
